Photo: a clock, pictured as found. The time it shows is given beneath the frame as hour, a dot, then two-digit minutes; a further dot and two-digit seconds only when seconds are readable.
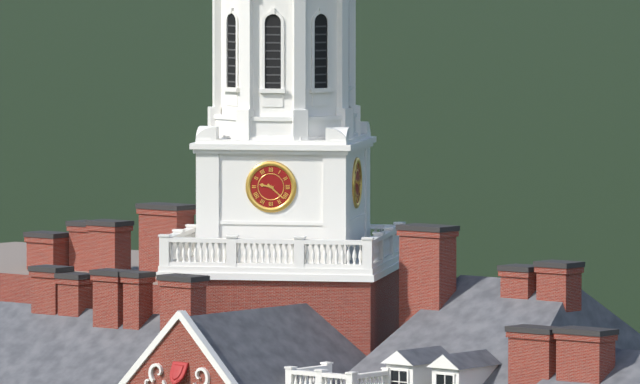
9.22
